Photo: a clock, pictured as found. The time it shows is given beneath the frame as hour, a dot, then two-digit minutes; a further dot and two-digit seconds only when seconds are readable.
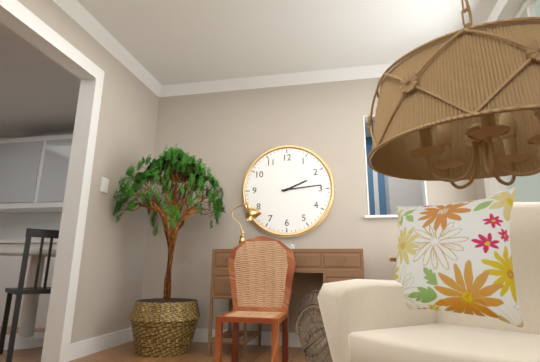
2.14
